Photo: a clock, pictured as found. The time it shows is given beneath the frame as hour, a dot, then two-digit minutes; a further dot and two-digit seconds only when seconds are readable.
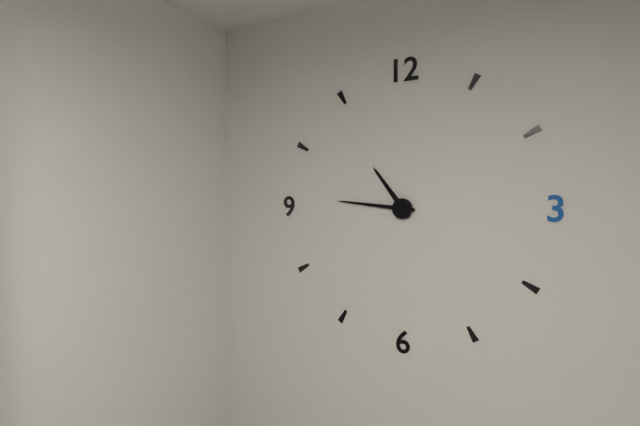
10.46
